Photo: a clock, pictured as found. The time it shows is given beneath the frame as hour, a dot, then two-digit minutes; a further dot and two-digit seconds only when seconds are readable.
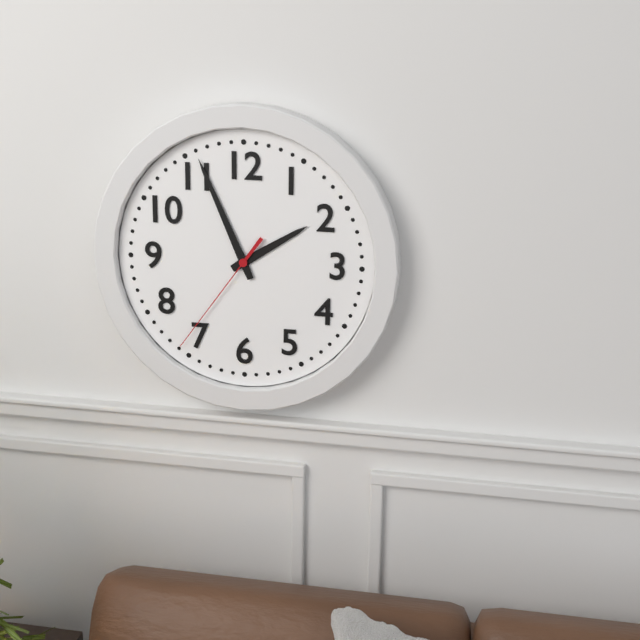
1.56.36
